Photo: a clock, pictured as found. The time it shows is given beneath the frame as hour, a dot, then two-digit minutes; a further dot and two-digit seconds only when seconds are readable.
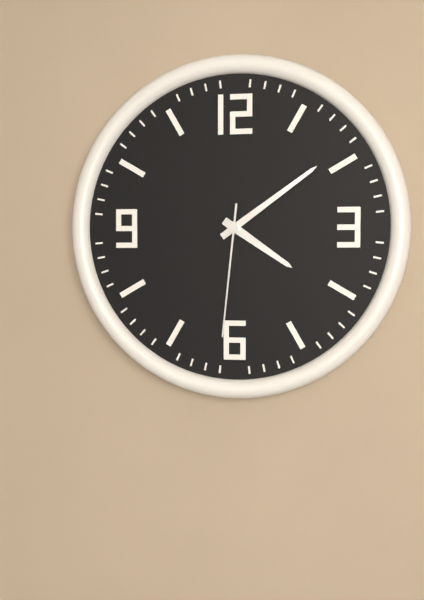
4.09.31
